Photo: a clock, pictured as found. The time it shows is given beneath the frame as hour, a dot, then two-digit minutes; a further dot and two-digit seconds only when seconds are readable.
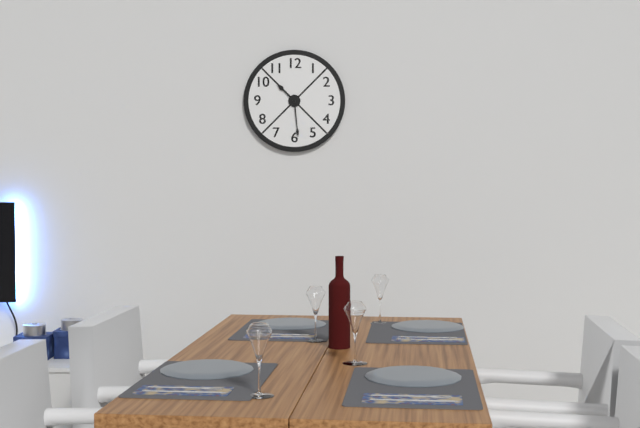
10.29
